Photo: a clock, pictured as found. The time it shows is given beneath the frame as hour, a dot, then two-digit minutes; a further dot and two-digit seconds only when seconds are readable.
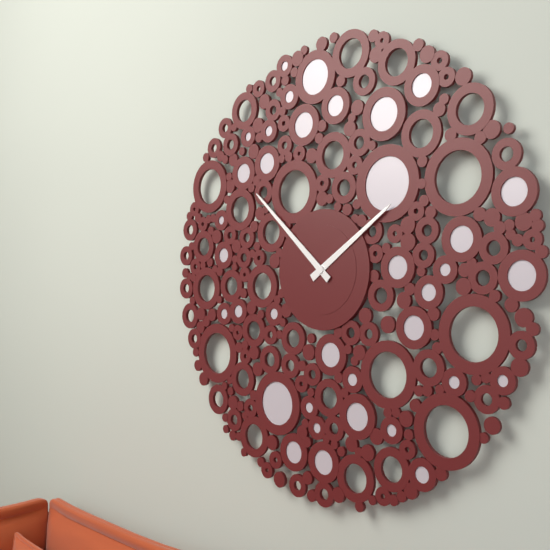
1.52
